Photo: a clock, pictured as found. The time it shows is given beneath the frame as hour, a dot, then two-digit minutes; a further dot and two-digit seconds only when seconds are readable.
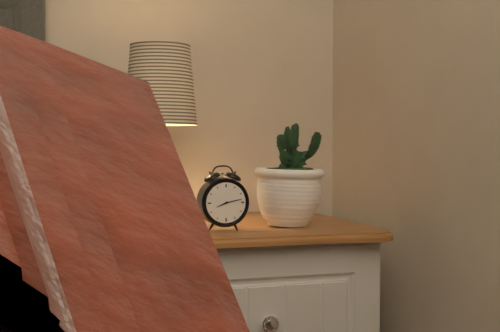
8.13
